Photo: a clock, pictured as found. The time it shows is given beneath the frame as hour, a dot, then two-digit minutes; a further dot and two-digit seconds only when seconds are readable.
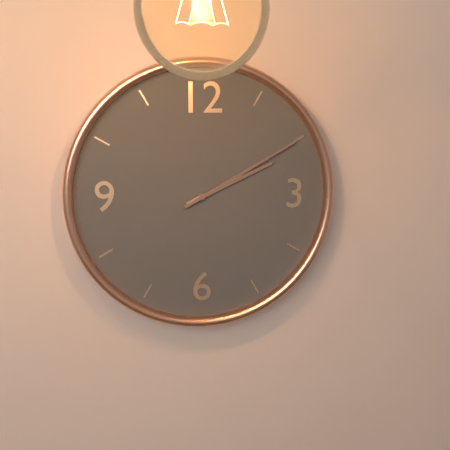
2.10
